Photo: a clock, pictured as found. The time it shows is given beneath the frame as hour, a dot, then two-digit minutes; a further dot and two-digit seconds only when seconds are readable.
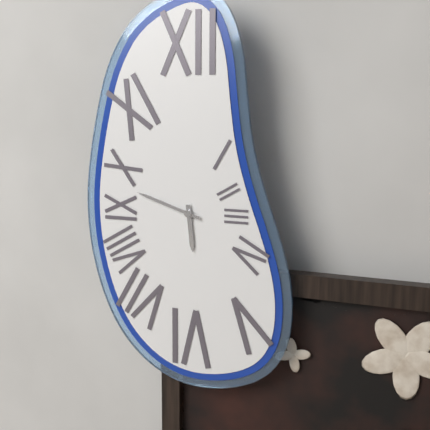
5.48
